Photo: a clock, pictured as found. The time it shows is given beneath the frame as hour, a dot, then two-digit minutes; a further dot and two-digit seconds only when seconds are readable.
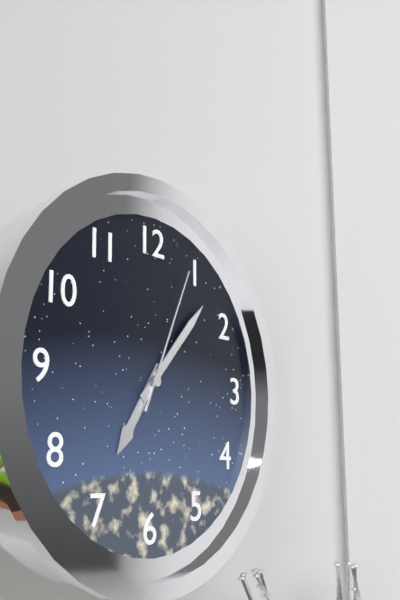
7.07.04
